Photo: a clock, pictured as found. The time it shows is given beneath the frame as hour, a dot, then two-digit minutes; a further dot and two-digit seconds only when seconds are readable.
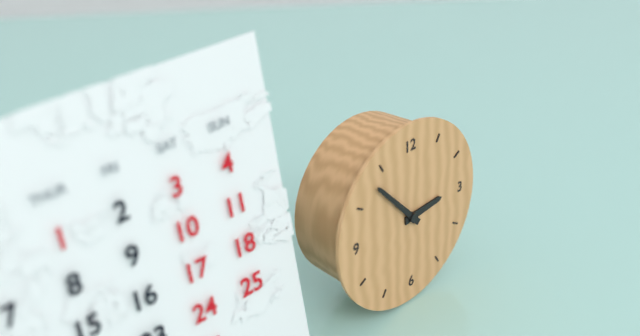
2.53
